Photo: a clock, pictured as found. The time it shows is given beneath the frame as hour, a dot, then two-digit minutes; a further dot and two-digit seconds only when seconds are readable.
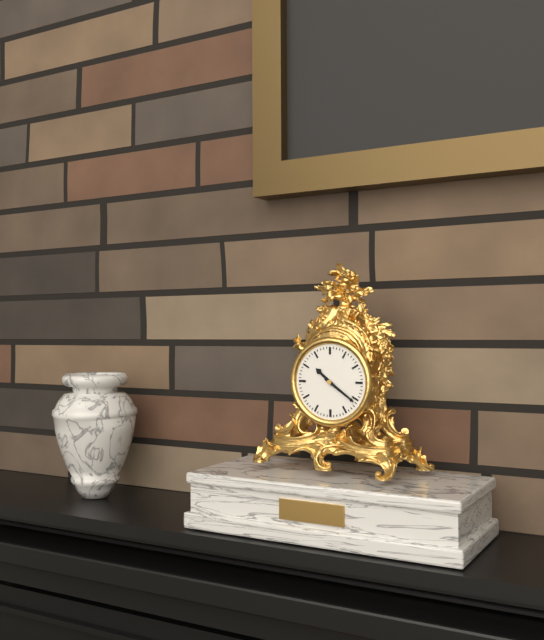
10.21
